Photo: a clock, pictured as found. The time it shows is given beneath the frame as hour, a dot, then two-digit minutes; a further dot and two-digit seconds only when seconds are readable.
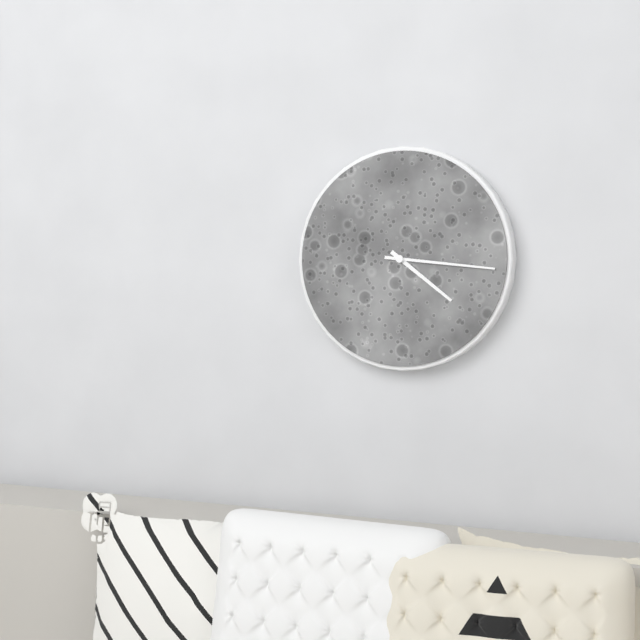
4.16
